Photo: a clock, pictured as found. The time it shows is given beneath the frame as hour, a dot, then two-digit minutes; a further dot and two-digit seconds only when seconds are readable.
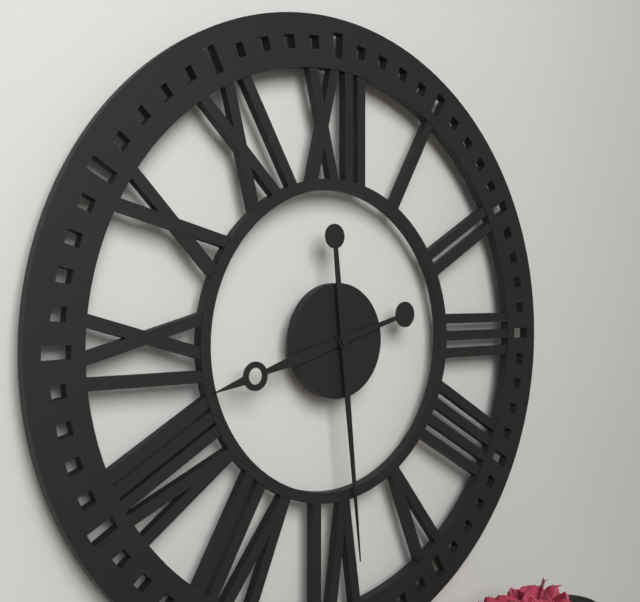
8.29
